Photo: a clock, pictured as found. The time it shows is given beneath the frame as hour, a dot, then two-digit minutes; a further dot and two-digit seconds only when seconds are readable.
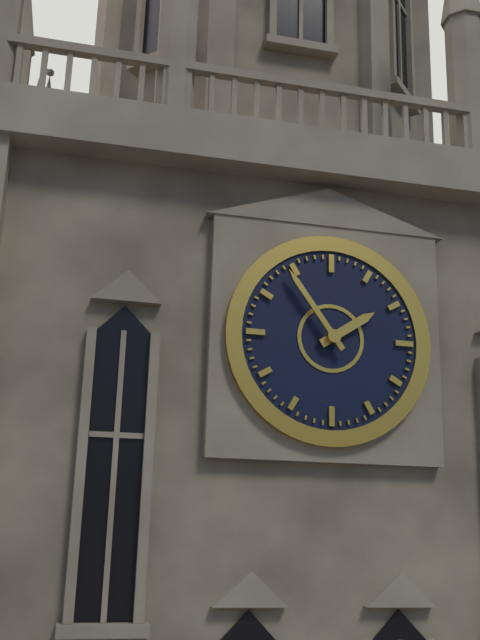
1.54
